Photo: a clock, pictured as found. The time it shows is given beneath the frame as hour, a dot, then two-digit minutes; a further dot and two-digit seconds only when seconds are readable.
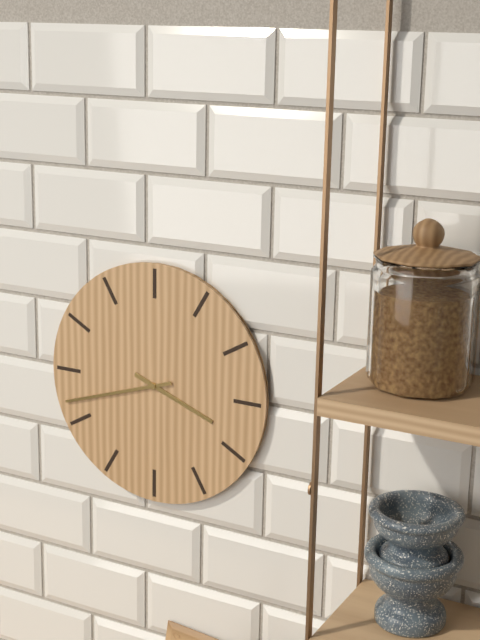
3.42
